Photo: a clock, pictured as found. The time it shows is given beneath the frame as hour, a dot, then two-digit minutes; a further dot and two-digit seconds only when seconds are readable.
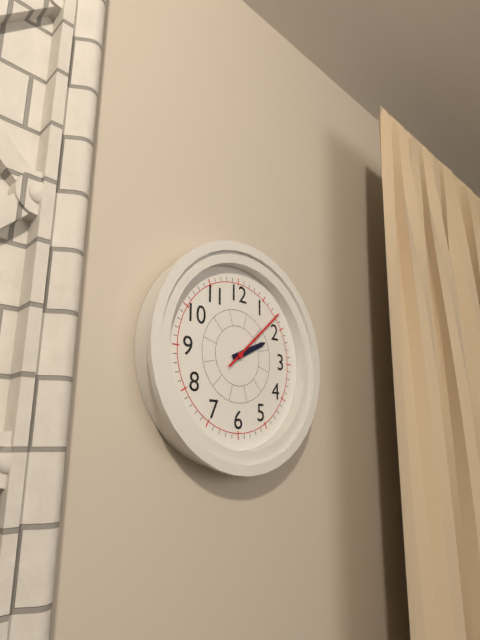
2.08
